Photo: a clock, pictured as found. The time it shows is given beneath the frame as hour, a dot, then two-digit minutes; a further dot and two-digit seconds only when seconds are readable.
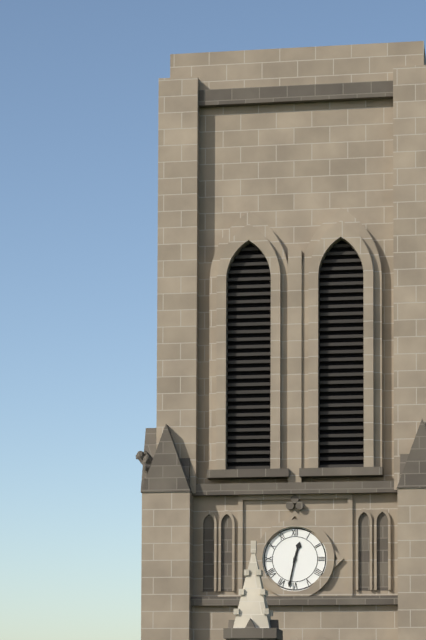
12.32
